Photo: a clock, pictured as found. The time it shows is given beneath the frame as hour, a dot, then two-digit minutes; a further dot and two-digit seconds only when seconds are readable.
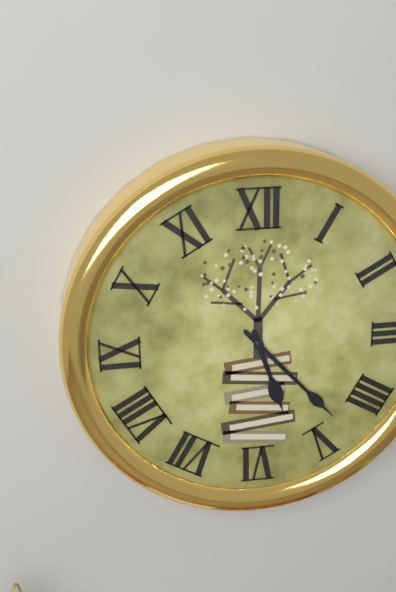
5.23
